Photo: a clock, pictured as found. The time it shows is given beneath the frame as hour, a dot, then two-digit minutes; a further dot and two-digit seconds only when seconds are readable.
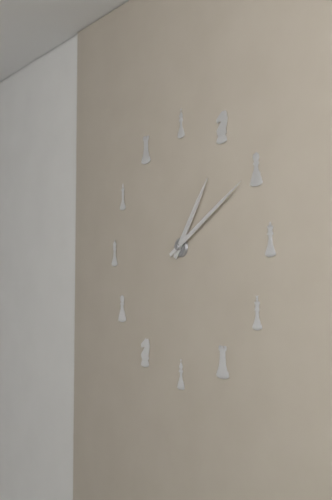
1.10
